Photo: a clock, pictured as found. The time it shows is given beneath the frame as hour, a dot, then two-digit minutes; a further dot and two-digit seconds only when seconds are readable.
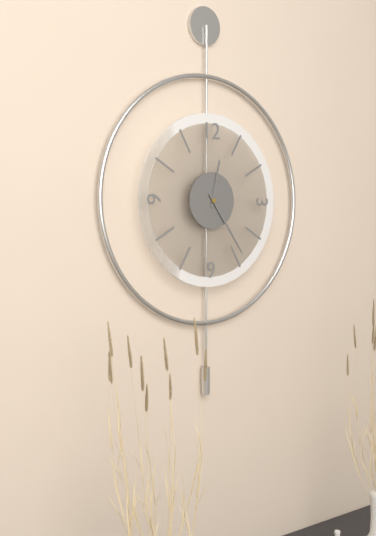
12.24
